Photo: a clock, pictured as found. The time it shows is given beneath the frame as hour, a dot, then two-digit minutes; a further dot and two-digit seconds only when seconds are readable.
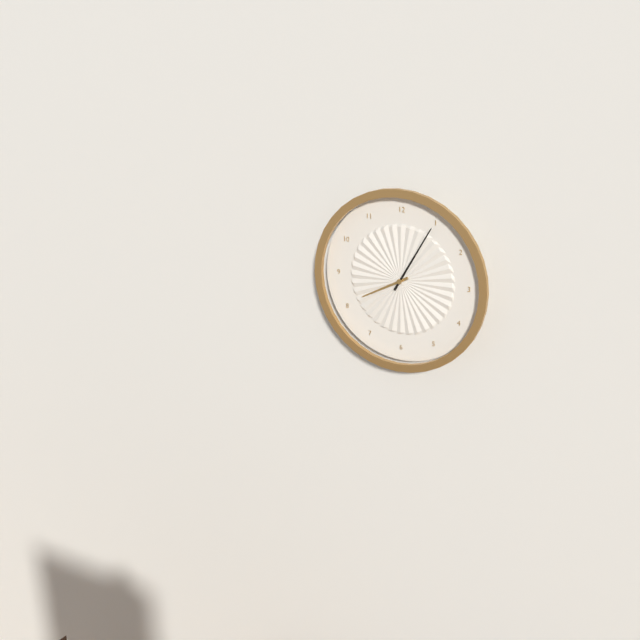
8.05
